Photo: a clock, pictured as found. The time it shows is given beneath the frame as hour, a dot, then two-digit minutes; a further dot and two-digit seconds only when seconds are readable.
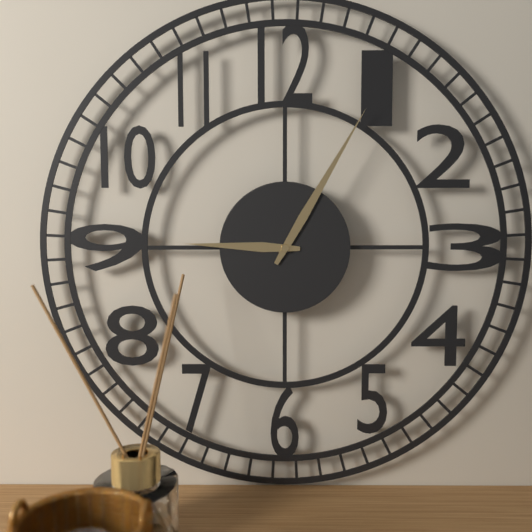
9.05
